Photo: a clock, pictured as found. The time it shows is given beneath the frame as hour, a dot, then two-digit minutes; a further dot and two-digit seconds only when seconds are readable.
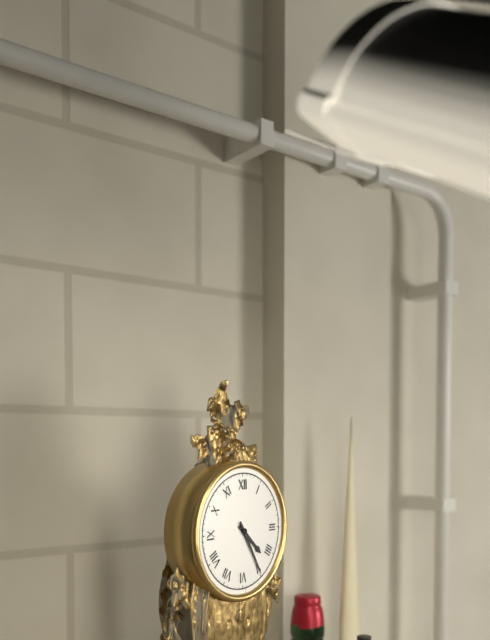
4.25
